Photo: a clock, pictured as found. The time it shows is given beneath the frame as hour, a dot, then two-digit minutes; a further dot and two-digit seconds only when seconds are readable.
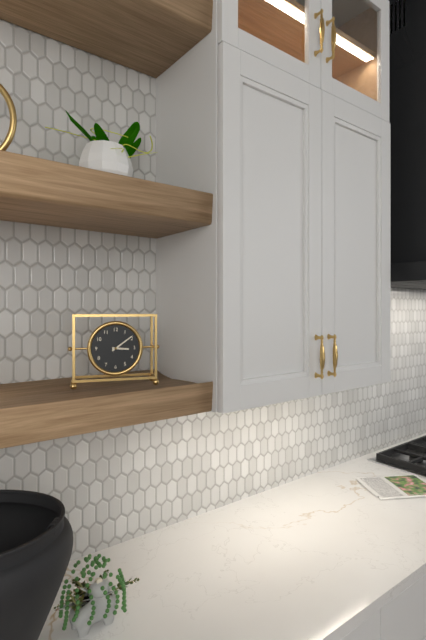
3.09
